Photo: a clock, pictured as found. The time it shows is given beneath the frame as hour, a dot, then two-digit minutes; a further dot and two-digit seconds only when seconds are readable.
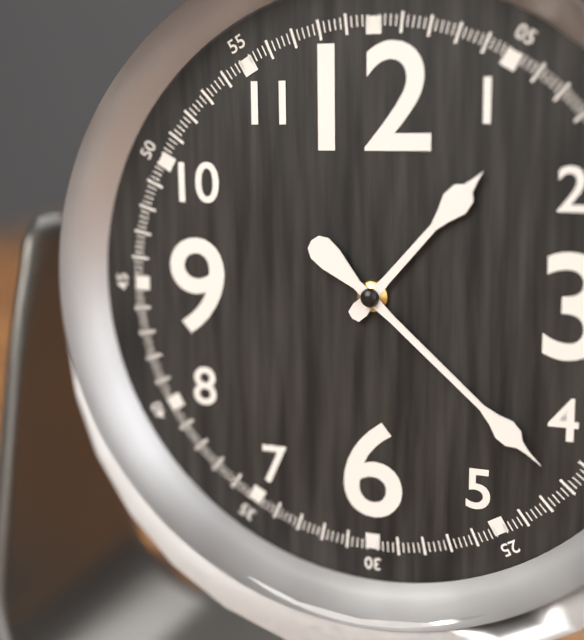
1.22
